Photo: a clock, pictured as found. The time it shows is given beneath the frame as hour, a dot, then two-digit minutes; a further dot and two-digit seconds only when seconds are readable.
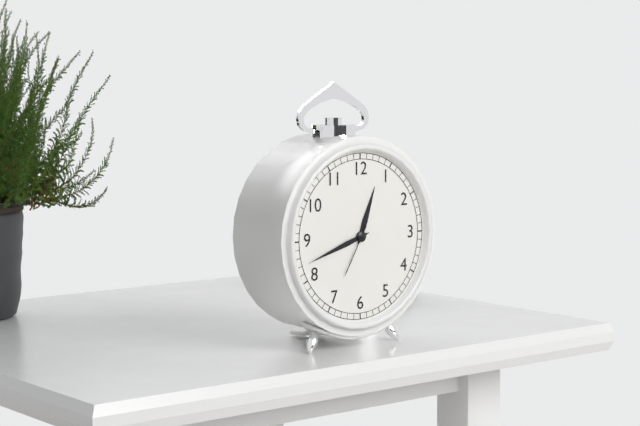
12.42.35
